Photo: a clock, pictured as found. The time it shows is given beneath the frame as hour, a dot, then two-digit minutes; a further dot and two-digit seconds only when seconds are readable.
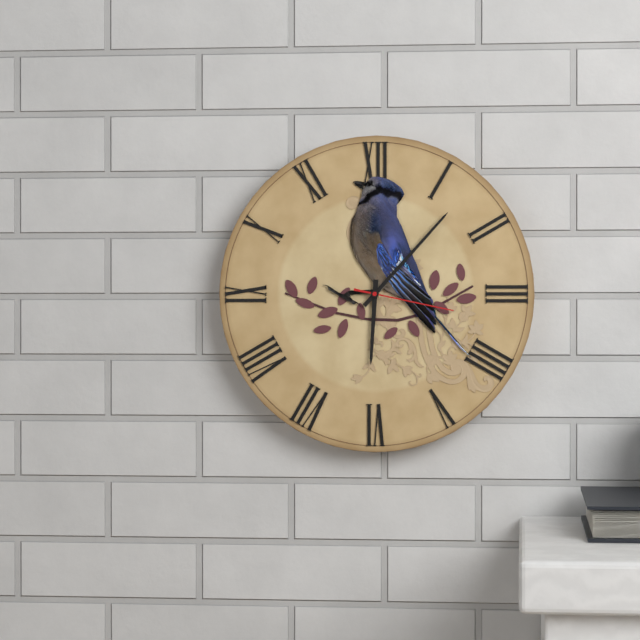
6.07.17
